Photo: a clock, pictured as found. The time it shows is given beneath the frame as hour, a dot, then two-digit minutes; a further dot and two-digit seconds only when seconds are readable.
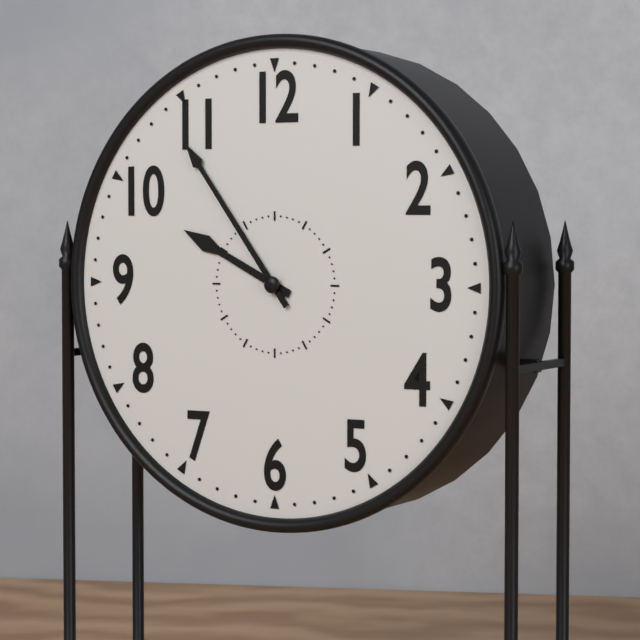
9.54
